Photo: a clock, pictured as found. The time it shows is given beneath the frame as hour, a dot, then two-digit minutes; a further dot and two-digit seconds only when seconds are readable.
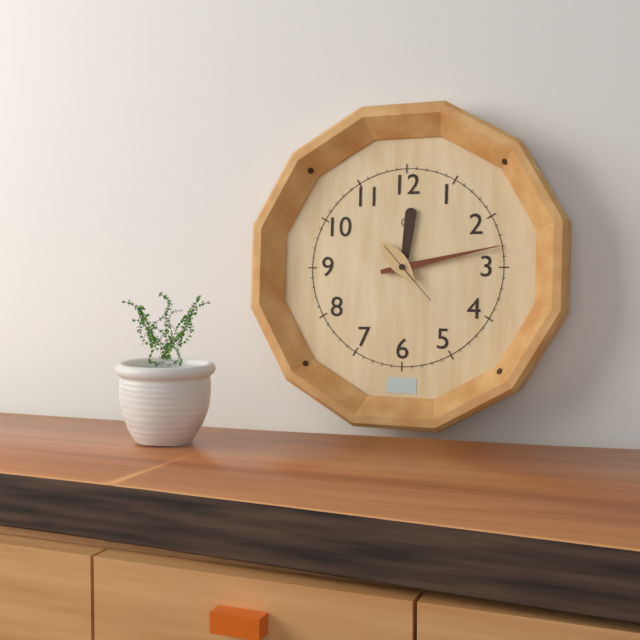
12.13
